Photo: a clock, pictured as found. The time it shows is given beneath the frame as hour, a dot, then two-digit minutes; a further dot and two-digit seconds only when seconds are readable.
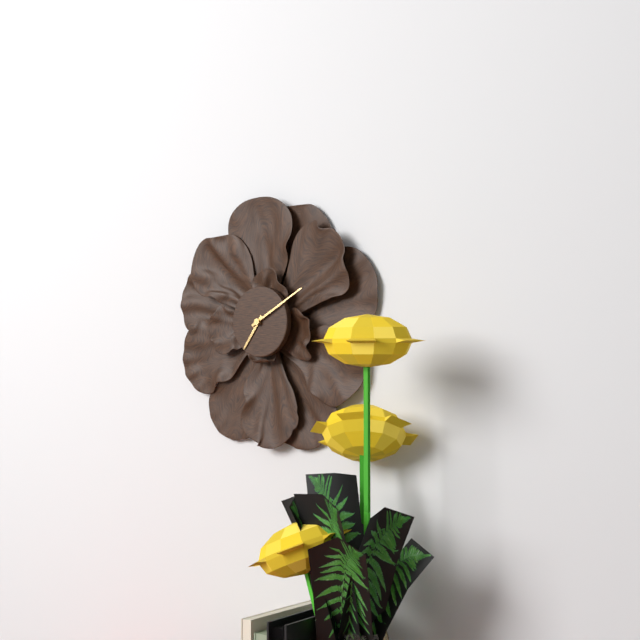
7.10
